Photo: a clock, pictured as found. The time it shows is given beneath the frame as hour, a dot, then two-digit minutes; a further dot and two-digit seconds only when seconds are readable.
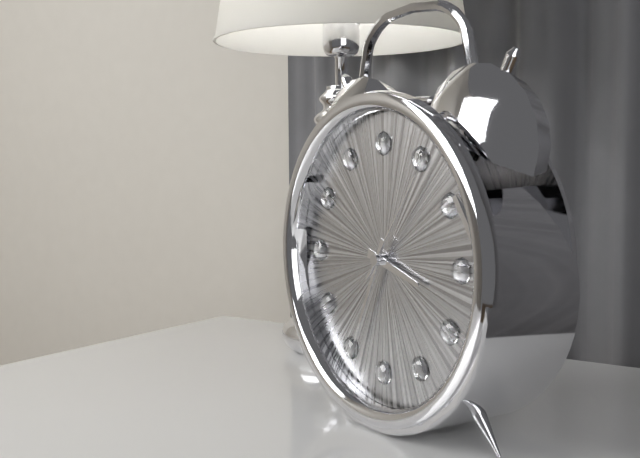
3.34.06
